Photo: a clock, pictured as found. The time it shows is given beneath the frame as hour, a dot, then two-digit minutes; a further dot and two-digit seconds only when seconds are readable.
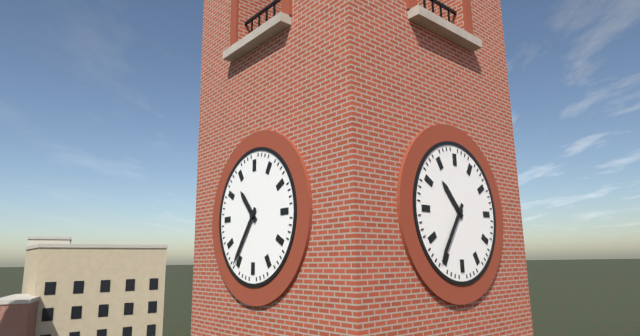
10.36
